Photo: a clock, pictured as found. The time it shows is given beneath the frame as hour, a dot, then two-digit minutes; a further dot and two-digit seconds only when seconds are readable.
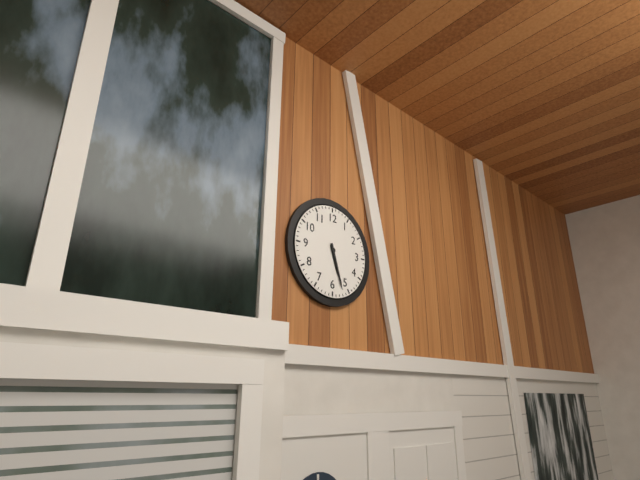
5.27
